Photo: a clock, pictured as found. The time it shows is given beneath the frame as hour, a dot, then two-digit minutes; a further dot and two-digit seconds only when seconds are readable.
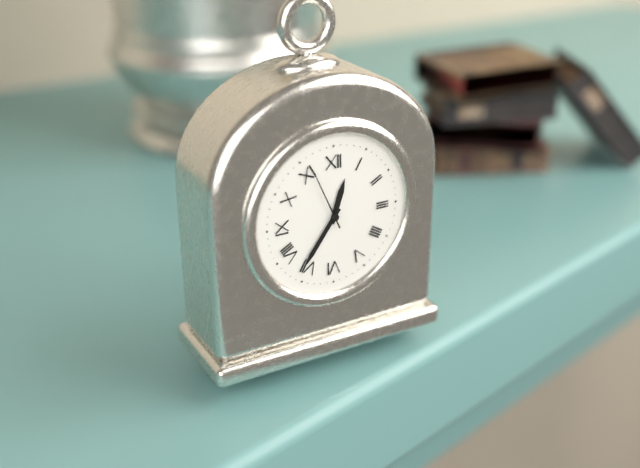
12.36.56
